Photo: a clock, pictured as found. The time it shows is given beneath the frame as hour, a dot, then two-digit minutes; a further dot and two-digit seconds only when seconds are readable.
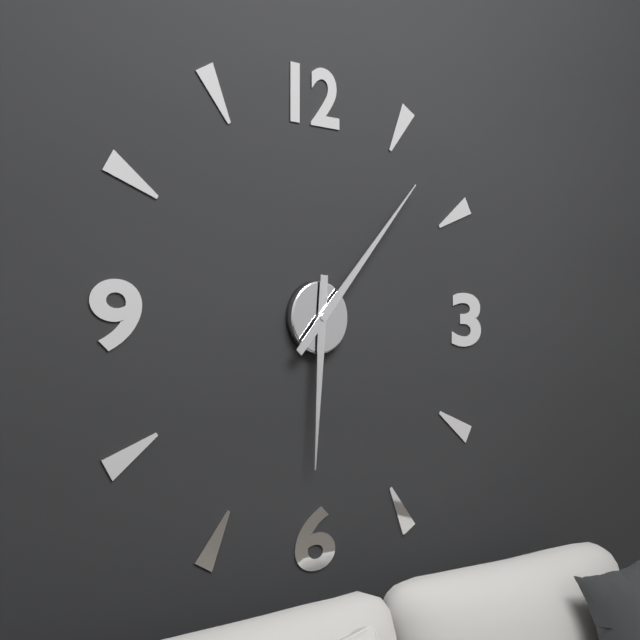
6.07
